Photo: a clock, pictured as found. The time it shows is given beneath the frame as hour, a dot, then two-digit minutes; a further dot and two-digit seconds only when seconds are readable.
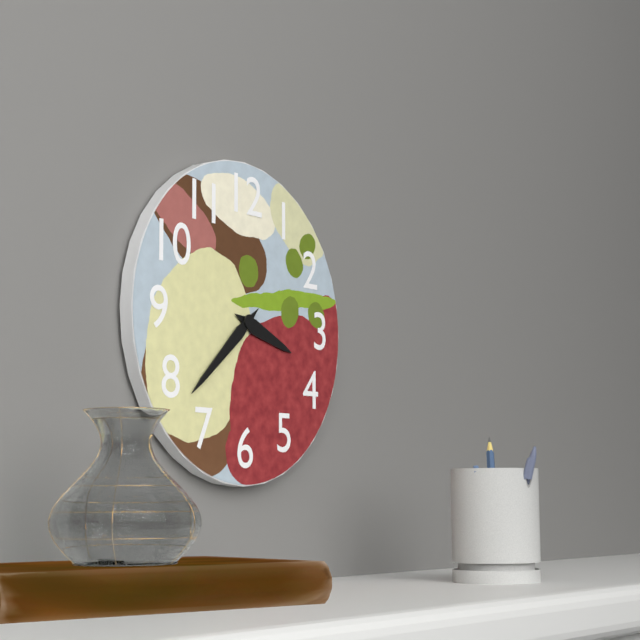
3.38
